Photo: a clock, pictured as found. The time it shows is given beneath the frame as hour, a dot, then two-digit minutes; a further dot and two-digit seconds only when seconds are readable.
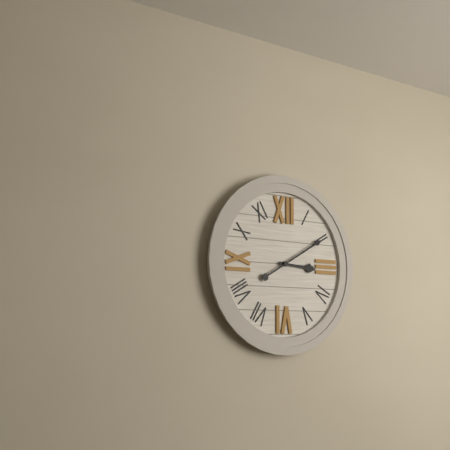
3.10
